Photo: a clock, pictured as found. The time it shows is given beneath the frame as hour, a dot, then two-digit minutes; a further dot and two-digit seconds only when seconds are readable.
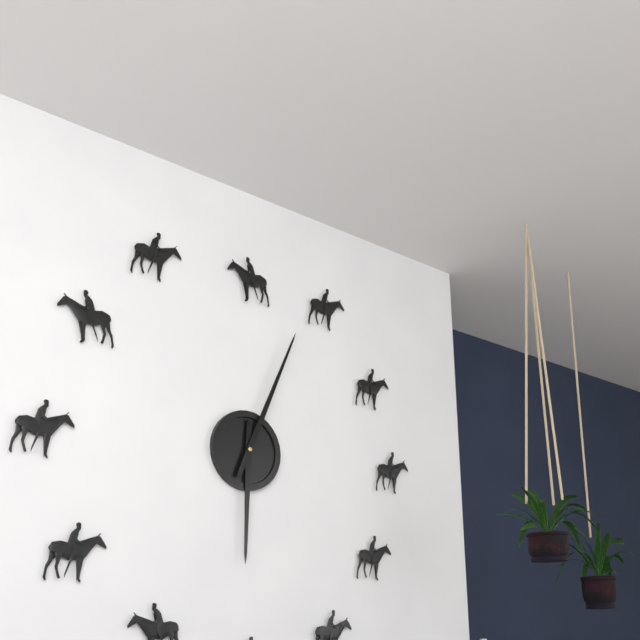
6.04
